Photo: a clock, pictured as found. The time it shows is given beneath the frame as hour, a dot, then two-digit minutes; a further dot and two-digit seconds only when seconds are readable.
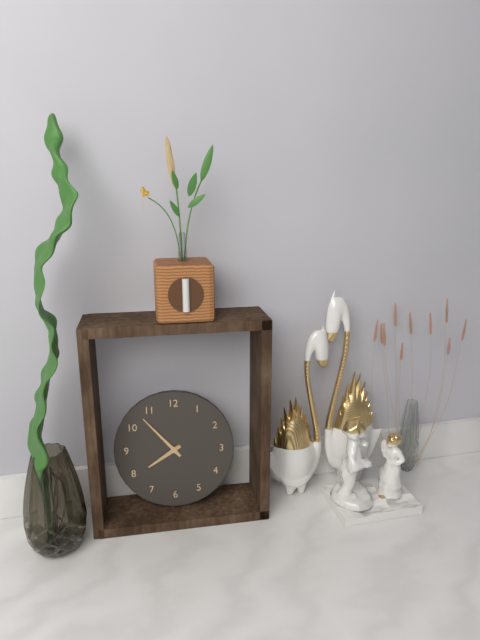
7.53
